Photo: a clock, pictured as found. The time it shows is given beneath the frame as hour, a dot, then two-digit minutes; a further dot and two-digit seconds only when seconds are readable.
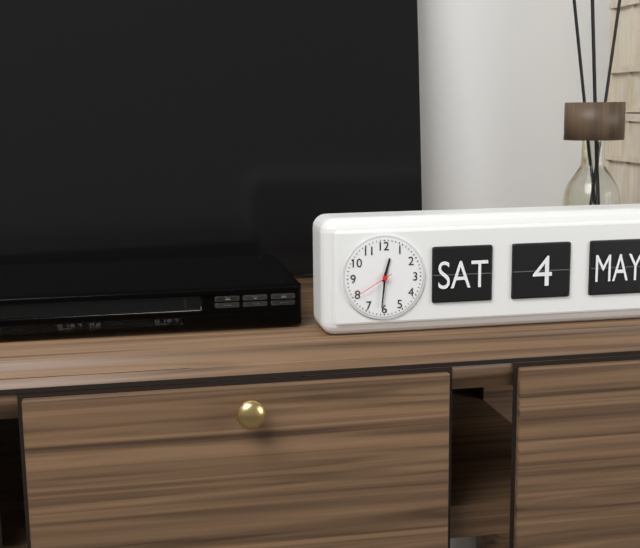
12.31
